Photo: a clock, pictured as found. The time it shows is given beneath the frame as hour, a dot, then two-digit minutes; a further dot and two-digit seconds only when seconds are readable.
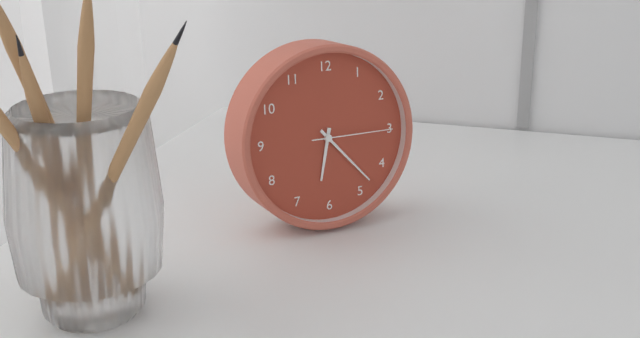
6.23.15
